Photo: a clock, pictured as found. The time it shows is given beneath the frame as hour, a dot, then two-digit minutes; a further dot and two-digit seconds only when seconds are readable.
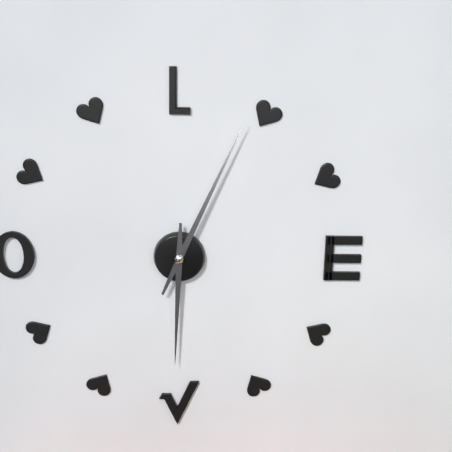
6.04
